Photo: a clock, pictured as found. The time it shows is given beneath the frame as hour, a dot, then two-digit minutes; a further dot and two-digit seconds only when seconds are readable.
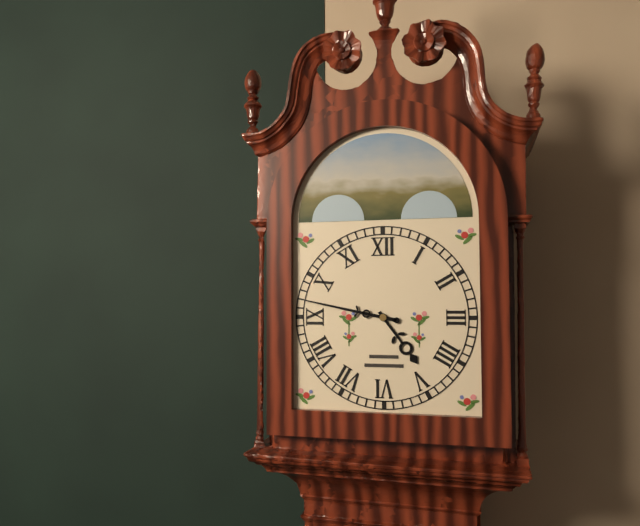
4.47
